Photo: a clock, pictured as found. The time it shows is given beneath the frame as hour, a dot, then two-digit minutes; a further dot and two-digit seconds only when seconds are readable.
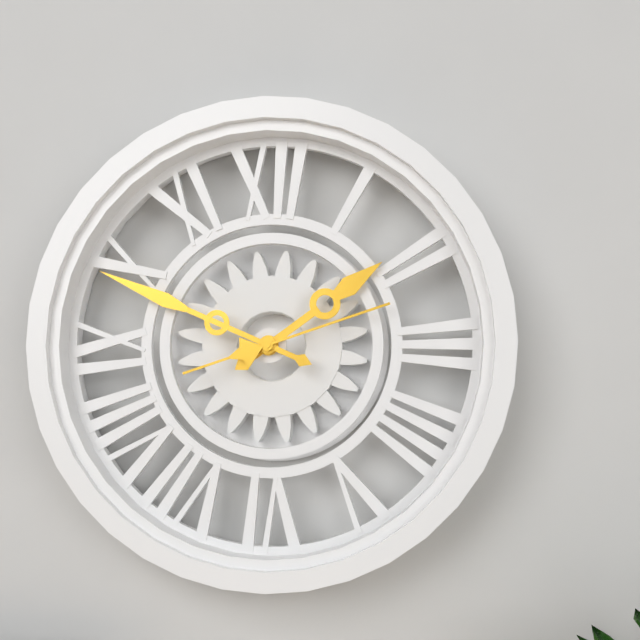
1.49.12
